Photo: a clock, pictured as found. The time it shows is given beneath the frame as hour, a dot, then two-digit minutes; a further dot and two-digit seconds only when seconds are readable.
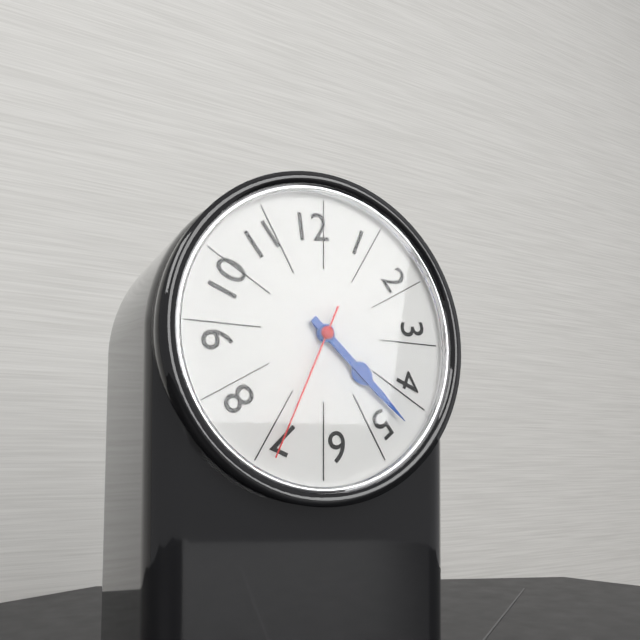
4.22.34
